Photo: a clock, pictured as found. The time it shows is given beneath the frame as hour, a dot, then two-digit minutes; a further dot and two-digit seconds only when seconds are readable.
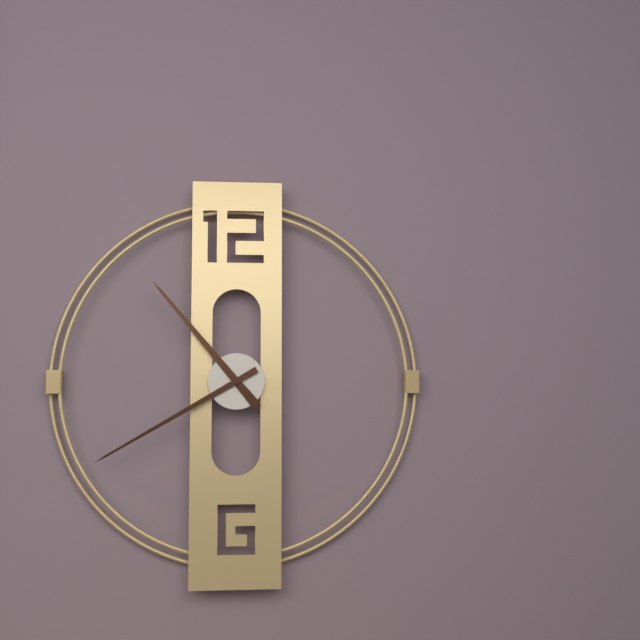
10.40
